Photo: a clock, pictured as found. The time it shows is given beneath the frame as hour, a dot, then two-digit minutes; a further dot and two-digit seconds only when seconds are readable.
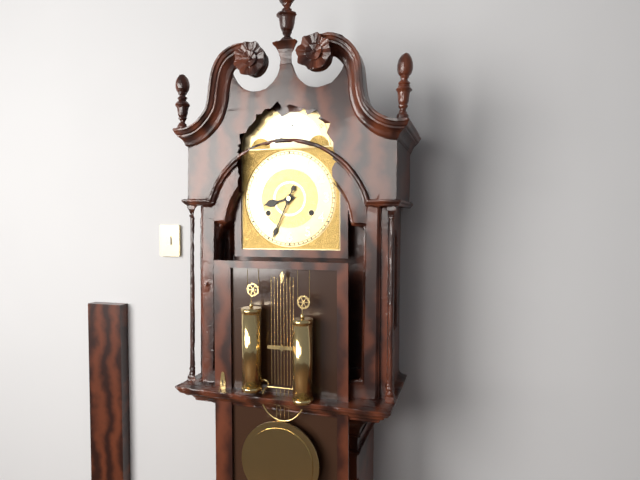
8.34
